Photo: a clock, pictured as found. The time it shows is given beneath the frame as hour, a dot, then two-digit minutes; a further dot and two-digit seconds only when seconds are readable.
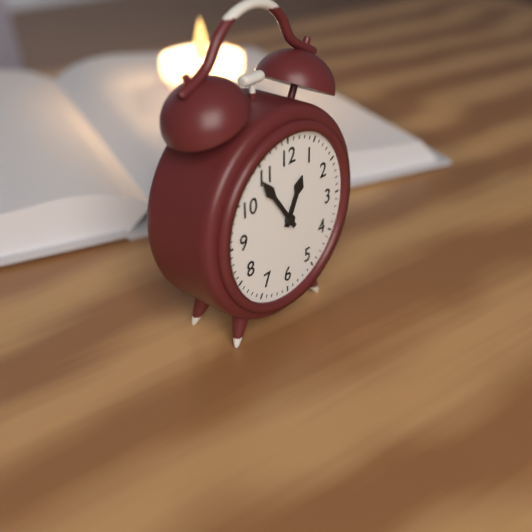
12.54
